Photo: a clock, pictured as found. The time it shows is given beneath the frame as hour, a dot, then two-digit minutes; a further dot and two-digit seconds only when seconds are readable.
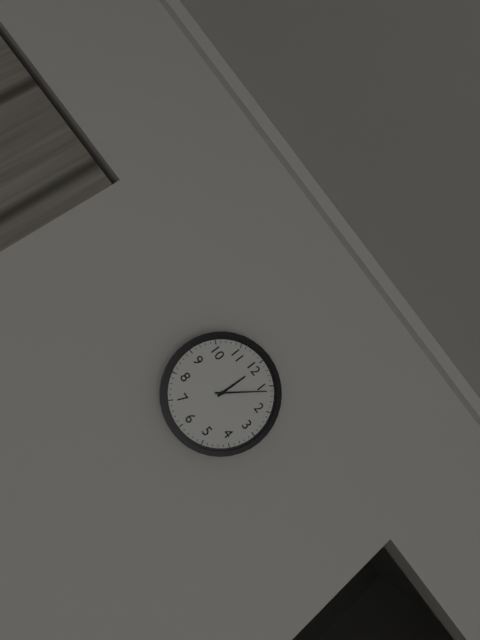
12.06
